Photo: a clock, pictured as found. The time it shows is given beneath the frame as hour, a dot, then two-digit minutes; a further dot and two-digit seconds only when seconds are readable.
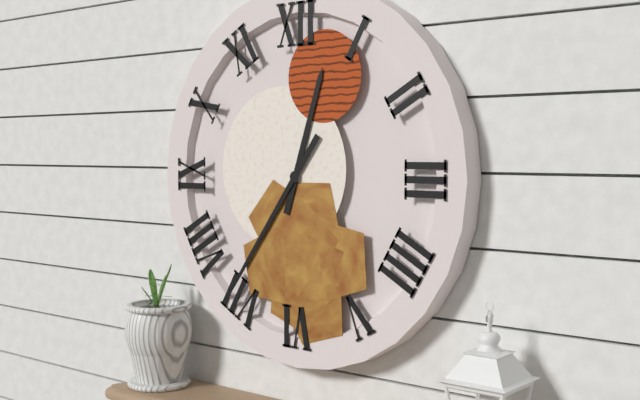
12.36
